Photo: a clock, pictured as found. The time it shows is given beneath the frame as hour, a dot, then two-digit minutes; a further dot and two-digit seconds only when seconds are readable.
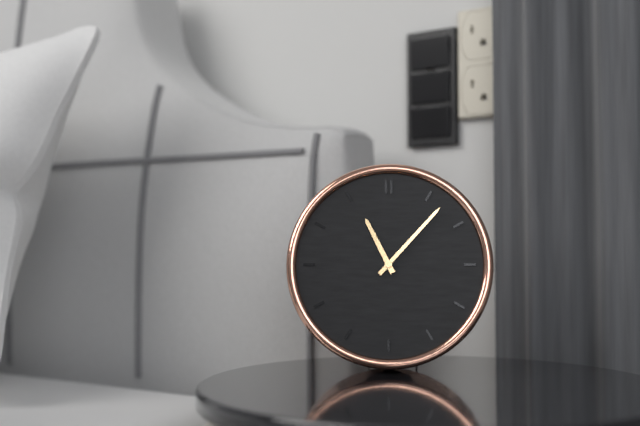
11.07
